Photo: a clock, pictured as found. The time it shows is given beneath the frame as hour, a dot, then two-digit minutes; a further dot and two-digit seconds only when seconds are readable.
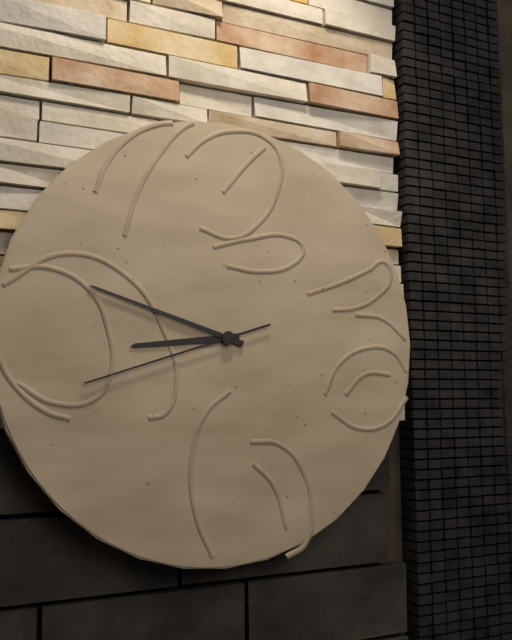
8.48.42
